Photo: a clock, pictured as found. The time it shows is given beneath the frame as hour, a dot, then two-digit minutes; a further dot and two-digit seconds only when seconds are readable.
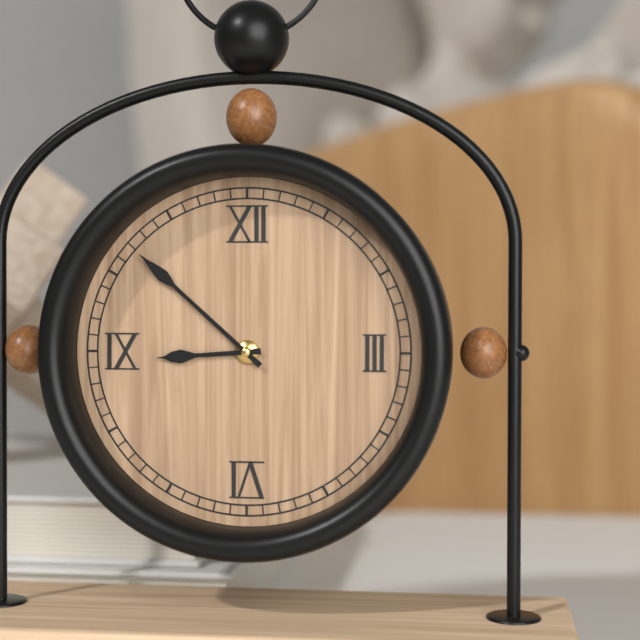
8.52
